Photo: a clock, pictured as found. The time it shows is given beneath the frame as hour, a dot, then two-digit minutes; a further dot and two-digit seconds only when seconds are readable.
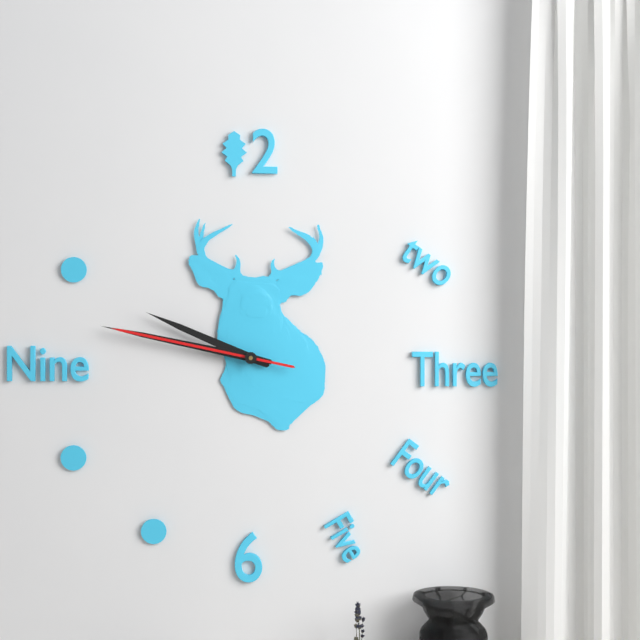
9.47.47
